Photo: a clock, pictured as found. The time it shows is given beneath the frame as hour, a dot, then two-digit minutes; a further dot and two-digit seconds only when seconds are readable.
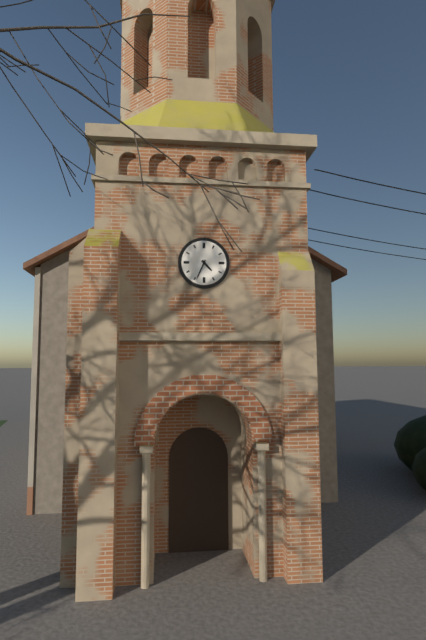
4.34
